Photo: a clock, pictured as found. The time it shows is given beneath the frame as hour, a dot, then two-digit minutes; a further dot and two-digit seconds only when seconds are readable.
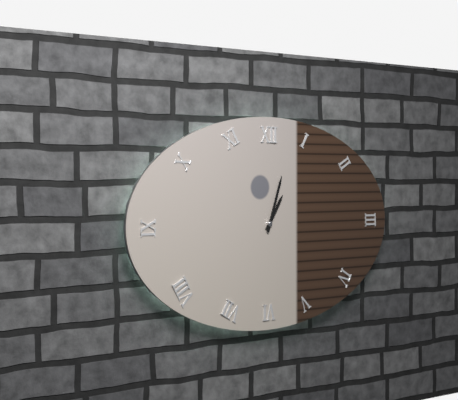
1.03
